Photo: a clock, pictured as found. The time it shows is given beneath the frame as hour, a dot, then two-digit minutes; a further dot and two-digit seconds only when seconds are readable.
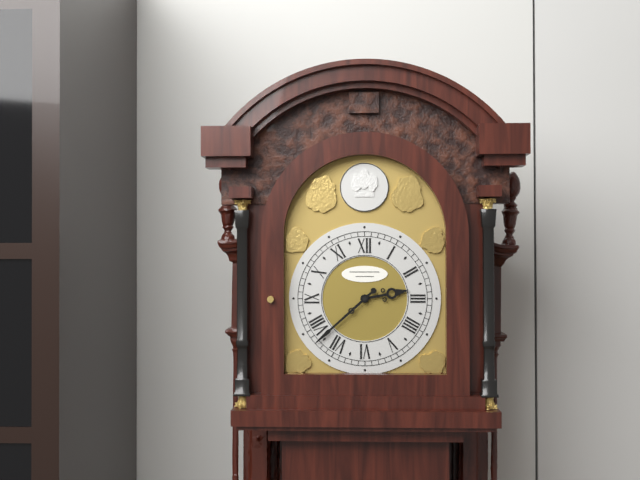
2.38
